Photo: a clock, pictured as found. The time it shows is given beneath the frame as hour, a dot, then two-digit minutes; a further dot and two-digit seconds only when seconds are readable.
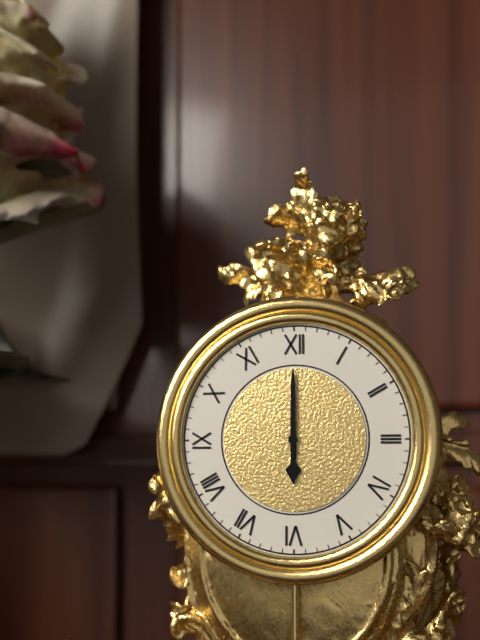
6.00
